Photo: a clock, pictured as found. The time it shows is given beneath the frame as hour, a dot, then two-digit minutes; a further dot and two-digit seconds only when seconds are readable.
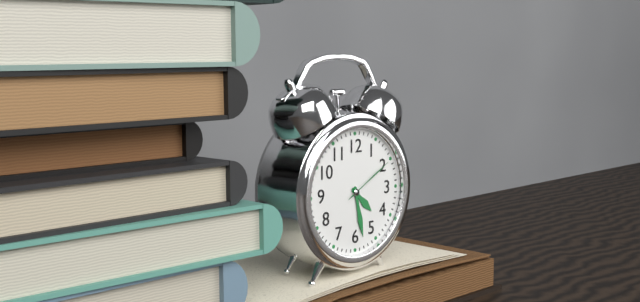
4.28.10
